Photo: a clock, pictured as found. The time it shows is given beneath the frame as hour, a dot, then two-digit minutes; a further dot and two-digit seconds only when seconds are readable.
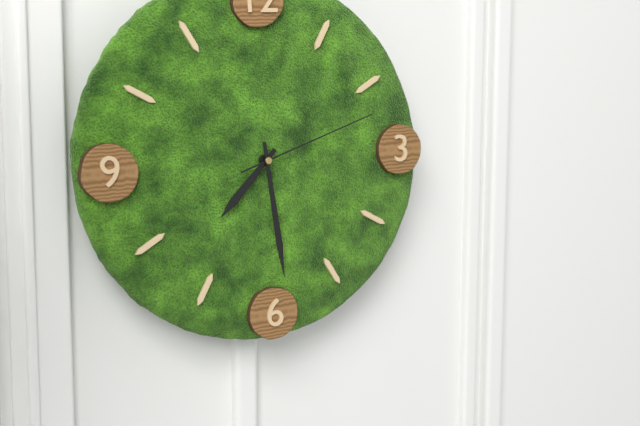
7.29.12
